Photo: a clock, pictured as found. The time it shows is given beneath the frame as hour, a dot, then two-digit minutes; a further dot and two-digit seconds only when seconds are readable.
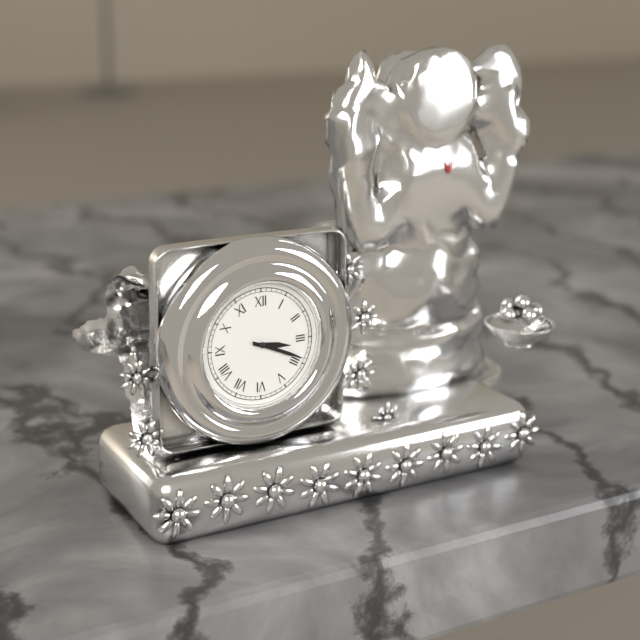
3.19
